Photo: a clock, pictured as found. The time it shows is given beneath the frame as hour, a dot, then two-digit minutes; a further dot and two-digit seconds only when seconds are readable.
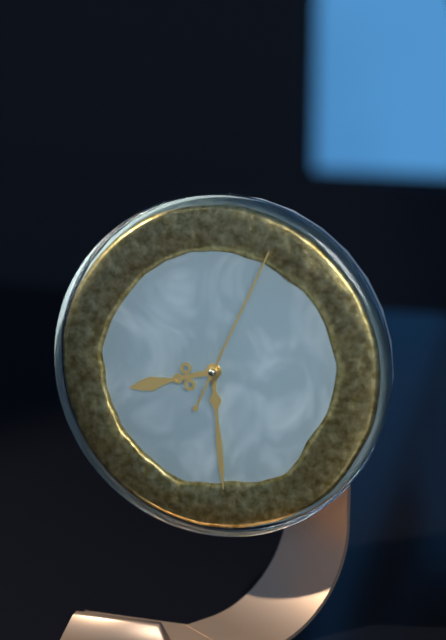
8.29.04
